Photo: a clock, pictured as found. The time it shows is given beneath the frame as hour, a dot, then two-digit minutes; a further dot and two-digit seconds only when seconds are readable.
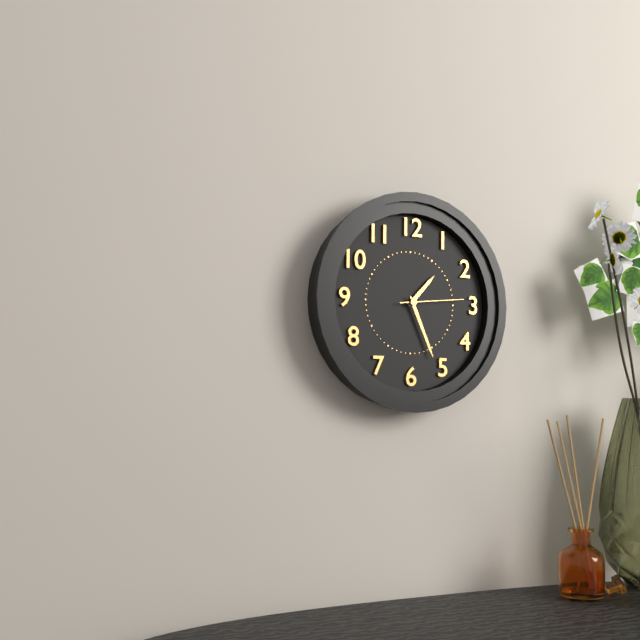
1.26.14
